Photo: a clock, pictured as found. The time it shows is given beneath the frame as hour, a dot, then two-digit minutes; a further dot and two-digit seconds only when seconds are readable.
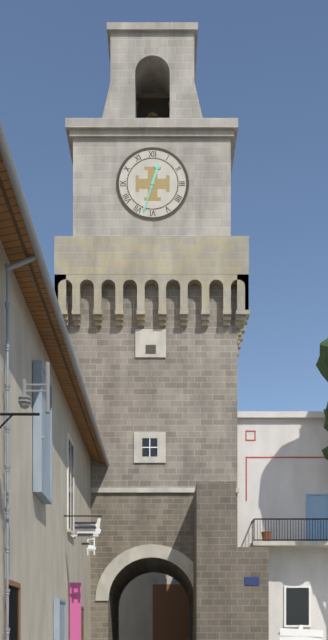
12.33
